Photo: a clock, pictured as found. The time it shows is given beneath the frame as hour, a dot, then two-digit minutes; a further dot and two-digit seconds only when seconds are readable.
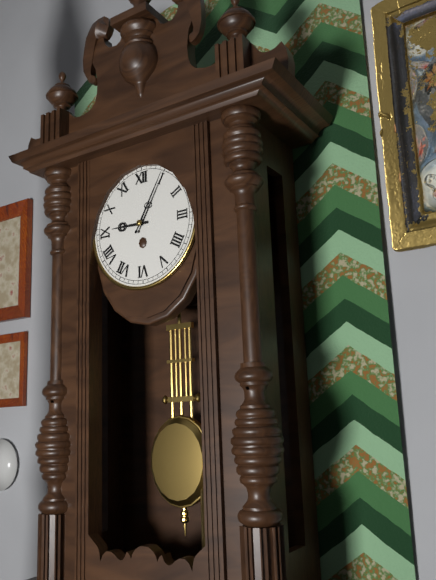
9.05
